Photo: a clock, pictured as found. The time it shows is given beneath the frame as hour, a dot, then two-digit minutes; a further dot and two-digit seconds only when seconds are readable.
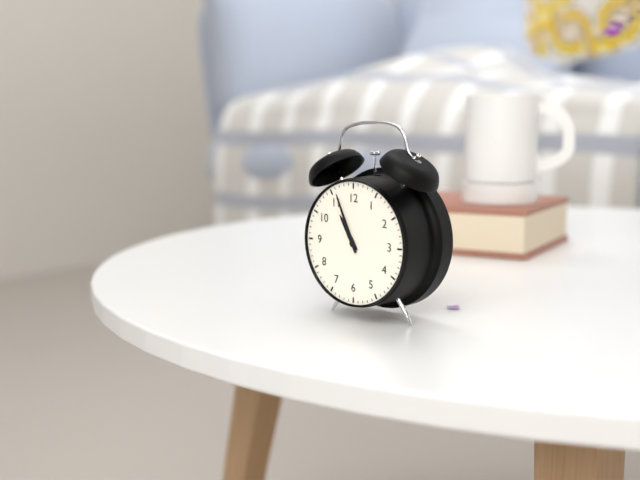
10.56
